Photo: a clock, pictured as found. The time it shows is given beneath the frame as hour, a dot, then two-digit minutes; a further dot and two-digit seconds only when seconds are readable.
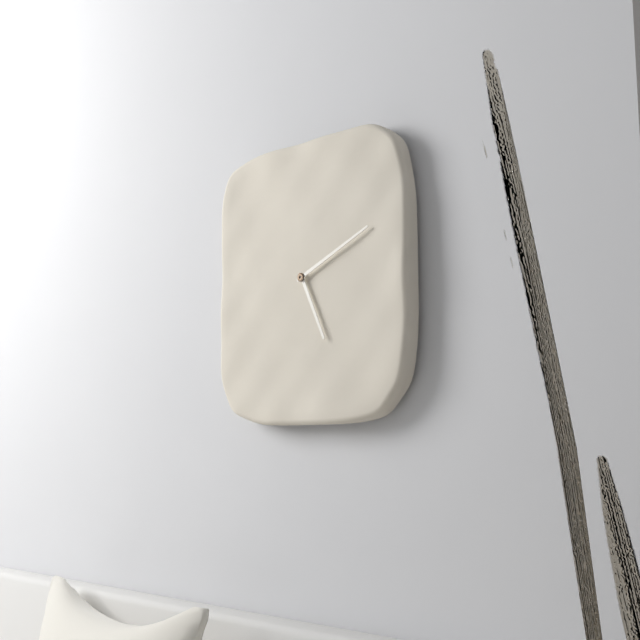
5.11
